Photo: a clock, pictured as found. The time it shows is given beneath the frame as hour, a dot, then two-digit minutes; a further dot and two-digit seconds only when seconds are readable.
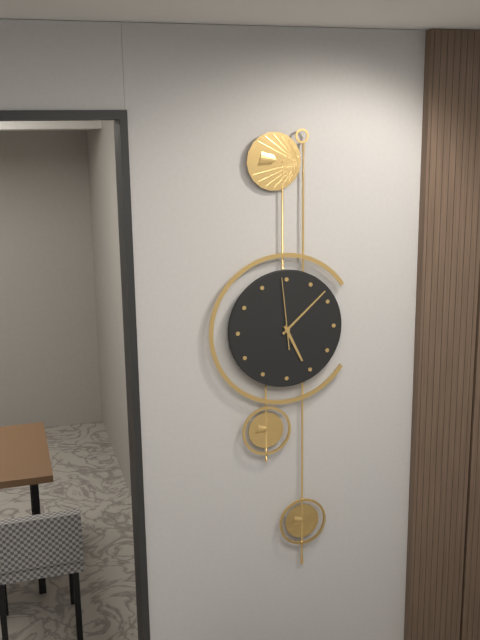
5.08.59
